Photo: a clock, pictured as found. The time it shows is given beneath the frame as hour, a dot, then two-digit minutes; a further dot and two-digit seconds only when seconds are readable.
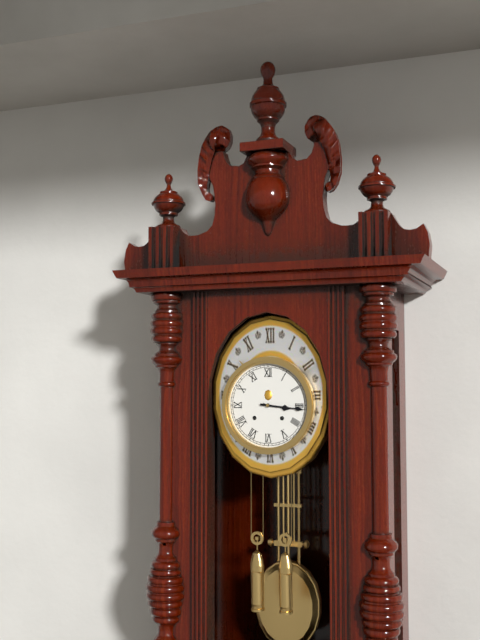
3.16
